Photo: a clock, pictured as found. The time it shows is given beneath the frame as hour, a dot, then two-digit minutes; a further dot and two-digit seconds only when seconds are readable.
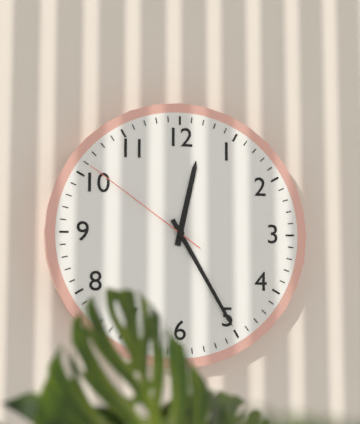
12.25.51
